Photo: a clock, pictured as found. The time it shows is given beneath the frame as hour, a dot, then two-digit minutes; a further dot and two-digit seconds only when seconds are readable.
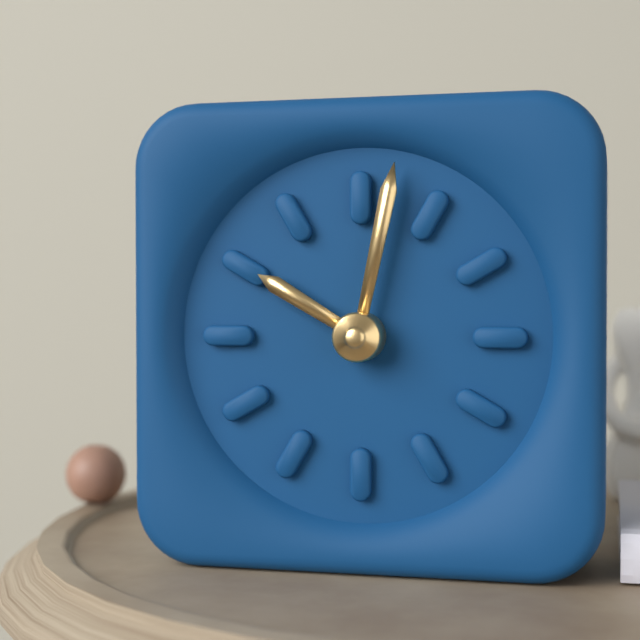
10.02
